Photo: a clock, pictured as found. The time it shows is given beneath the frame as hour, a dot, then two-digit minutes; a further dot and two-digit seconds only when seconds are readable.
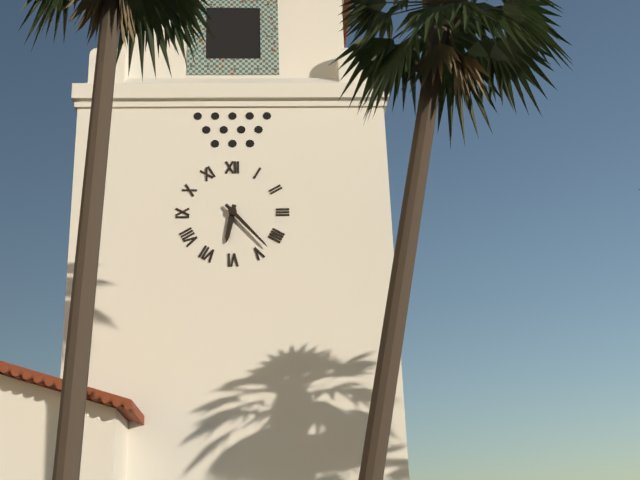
6.23
